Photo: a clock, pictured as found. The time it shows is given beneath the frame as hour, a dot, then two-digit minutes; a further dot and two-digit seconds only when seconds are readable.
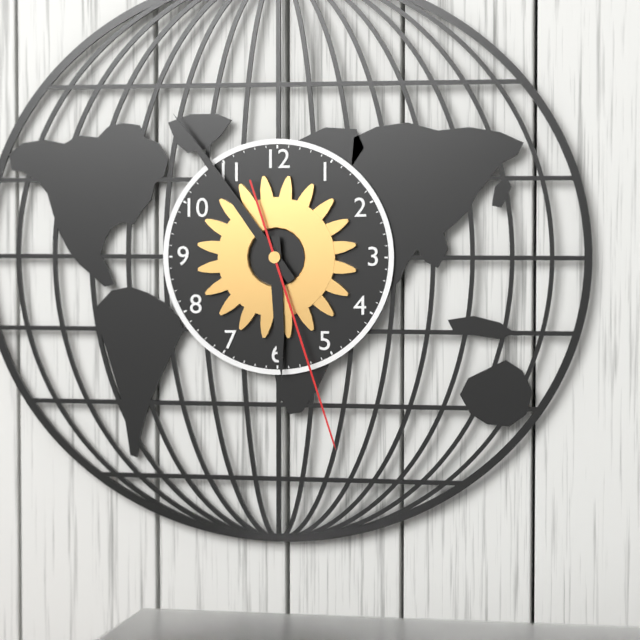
5.54.27
